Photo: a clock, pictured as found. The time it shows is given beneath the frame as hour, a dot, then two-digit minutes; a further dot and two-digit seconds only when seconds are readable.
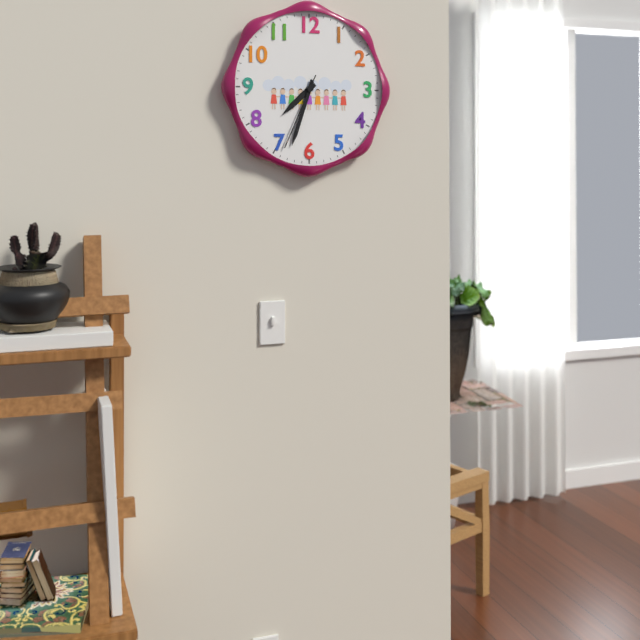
7.33.34
